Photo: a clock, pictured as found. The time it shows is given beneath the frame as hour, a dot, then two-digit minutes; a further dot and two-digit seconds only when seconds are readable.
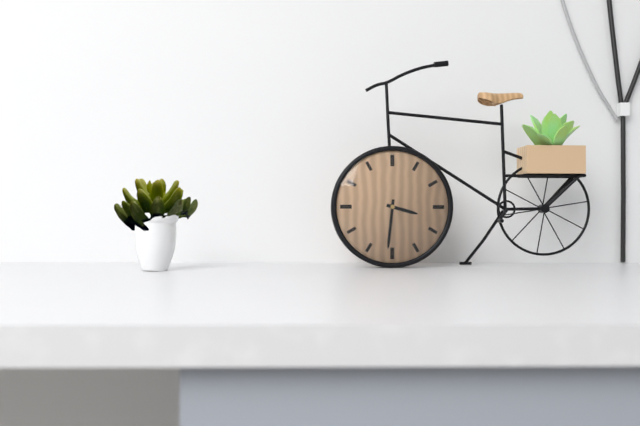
3.31
